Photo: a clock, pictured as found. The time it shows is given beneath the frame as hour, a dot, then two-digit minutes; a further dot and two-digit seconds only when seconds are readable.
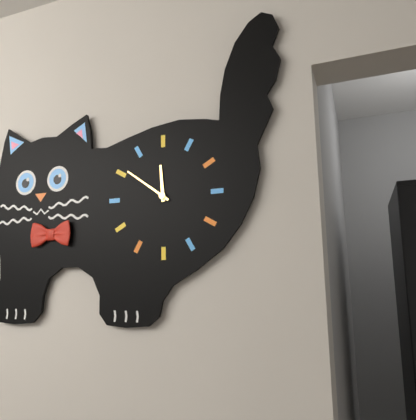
11.51
